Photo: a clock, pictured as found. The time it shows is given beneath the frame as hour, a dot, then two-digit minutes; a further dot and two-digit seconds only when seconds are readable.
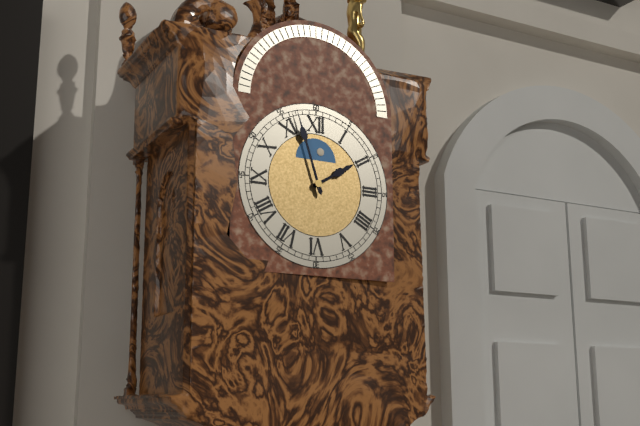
1.57
